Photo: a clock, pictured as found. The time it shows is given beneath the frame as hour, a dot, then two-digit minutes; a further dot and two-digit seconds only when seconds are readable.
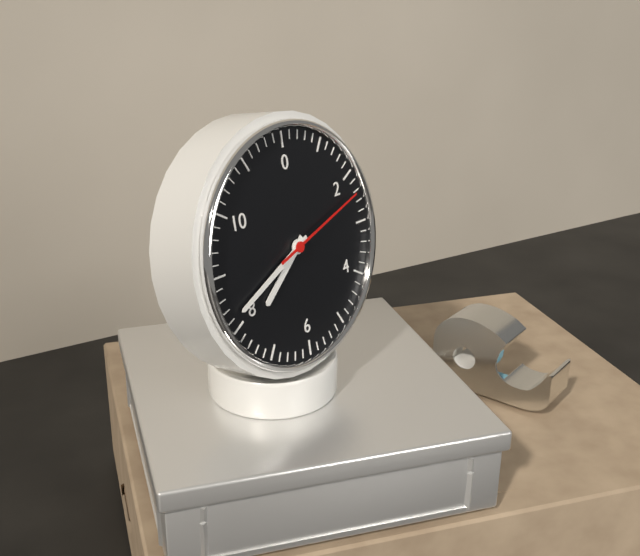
7.41.12
